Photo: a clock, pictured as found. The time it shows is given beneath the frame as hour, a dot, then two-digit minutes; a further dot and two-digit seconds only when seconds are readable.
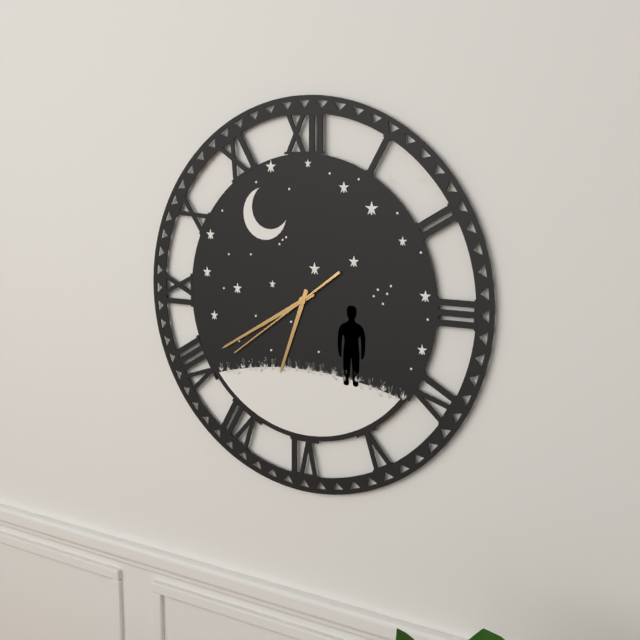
6.40.39
